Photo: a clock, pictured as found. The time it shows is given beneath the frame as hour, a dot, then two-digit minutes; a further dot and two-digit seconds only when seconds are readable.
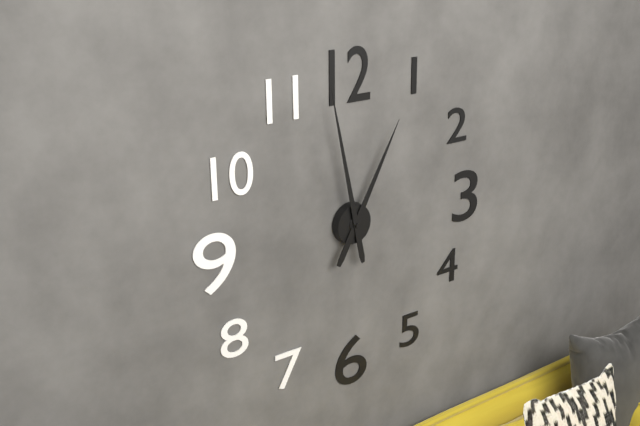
12.58
